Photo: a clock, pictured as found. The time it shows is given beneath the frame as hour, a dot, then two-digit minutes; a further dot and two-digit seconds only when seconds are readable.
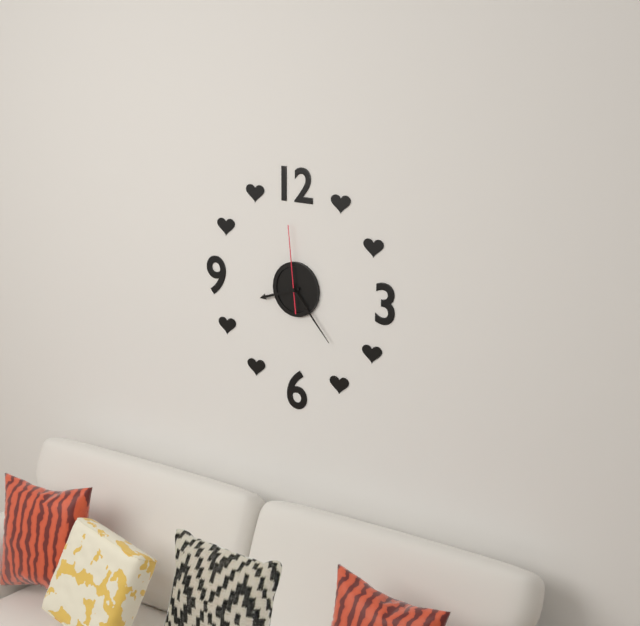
8.23.59
